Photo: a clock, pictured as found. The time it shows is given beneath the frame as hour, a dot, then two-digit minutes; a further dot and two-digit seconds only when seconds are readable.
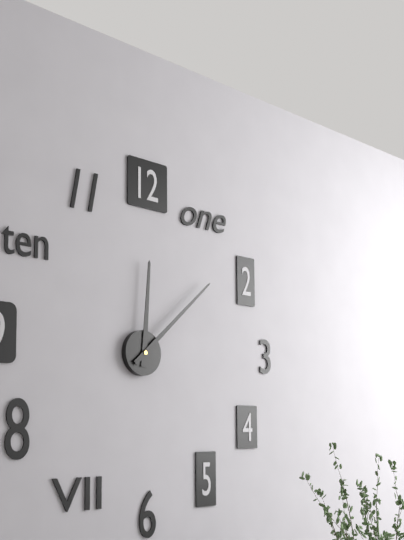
12.08
